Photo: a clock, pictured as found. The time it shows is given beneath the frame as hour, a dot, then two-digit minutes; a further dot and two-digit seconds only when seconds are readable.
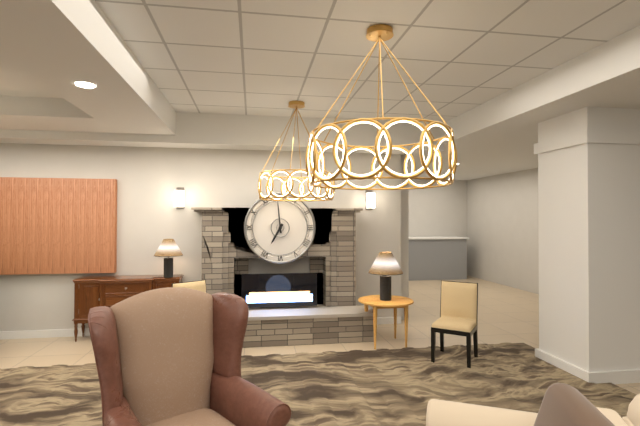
6.59
